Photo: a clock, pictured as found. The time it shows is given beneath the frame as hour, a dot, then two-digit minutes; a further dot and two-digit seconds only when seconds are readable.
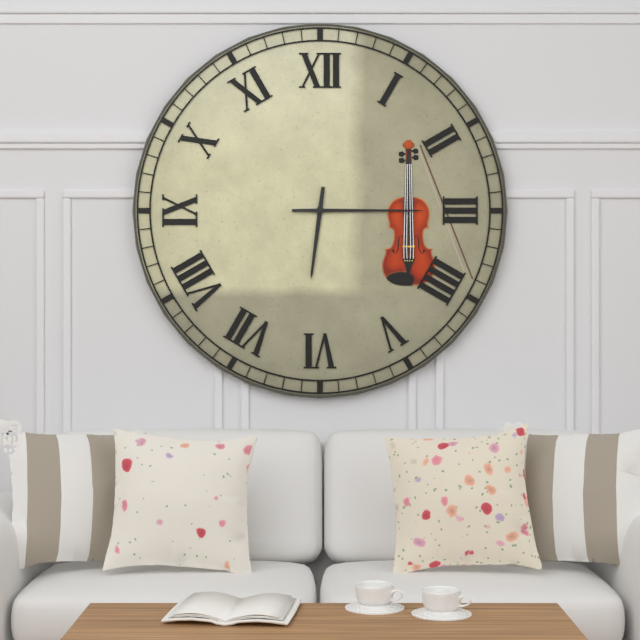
6.15
